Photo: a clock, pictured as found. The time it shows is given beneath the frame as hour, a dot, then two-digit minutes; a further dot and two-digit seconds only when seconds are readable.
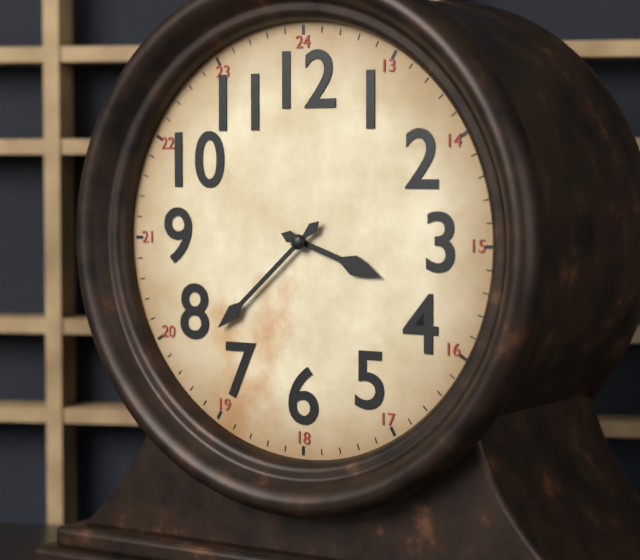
3.38
